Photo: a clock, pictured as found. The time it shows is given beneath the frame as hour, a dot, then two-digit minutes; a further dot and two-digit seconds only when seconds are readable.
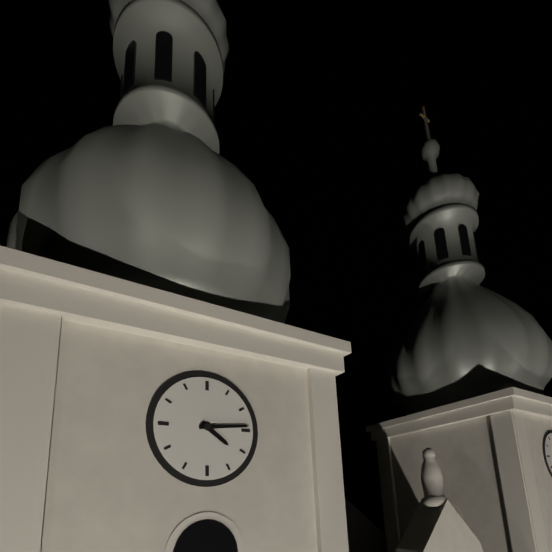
4.14
